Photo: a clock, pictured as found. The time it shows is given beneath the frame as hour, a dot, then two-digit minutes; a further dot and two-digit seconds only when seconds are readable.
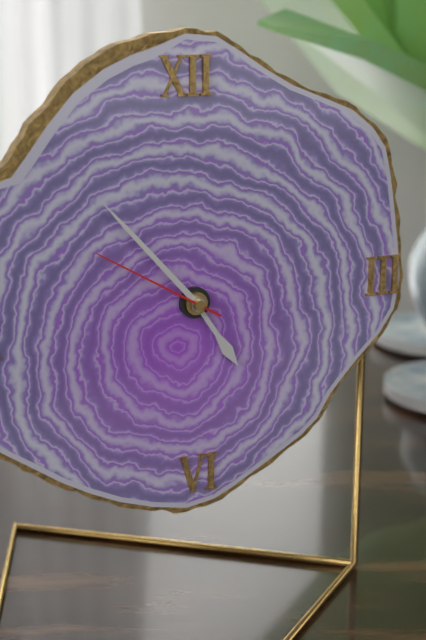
4.53.50
